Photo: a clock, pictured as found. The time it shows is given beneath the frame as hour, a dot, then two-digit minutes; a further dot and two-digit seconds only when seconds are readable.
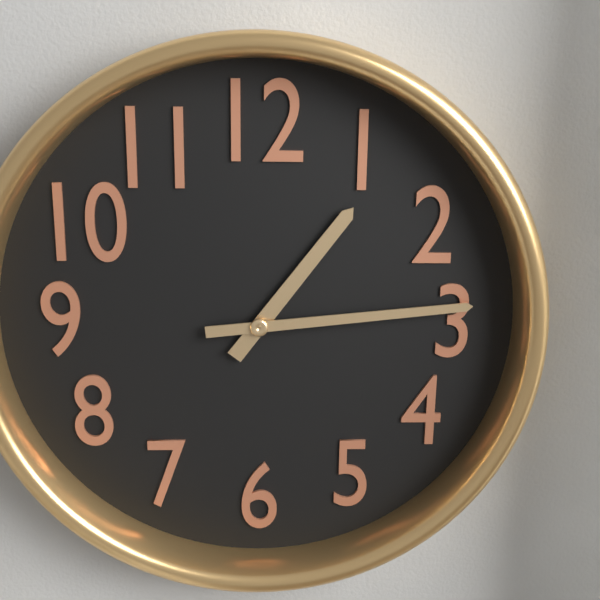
1.14
